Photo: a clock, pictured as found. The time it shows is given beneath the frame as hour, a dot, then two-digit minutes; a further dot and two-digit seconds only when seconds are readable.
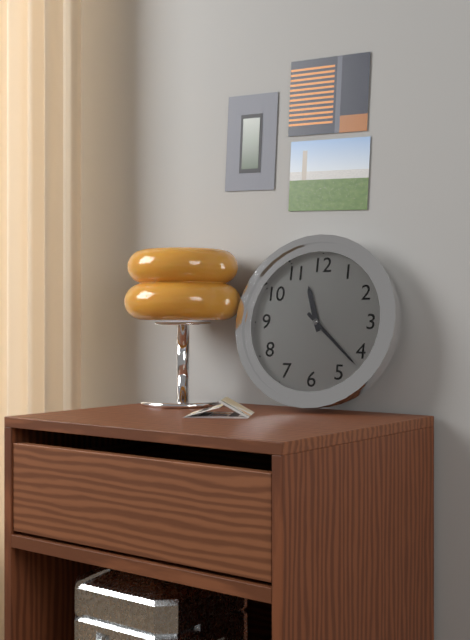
11.22
